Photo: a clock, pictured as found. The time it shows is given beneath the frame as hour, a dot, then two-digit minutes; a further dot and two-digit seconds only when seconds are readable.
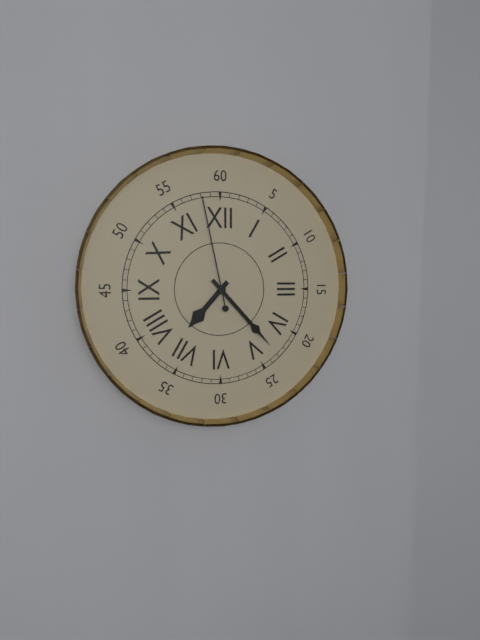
7.23.58
